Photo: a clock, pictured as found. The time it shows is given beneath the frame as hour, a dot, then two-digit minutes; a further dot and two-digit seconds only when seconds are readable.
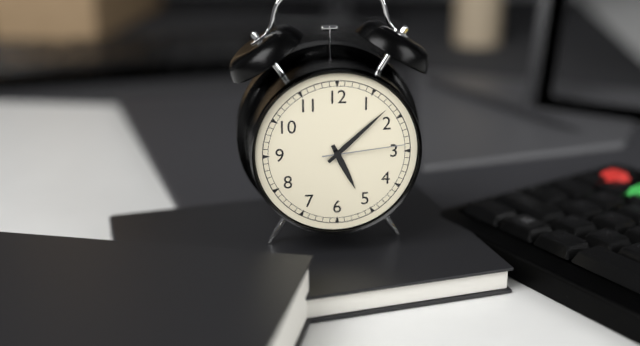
5.08.14
